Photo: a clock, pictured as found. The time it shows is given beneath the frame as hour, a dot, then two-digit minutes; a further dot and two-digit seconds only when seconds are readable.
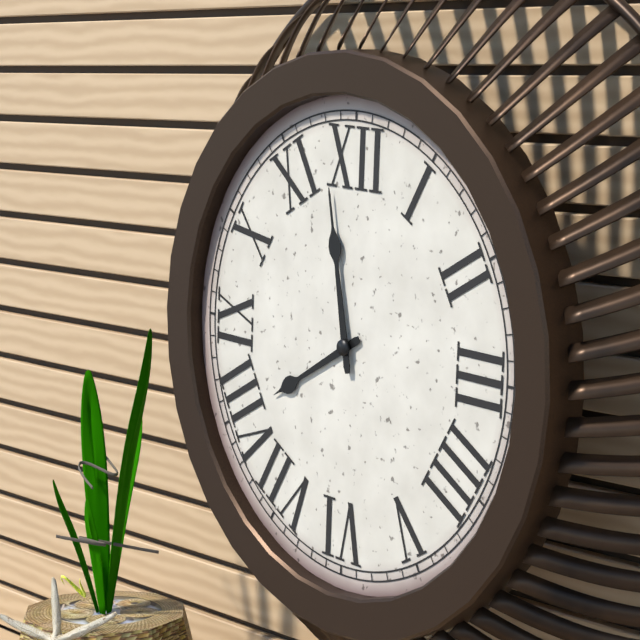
7.58
